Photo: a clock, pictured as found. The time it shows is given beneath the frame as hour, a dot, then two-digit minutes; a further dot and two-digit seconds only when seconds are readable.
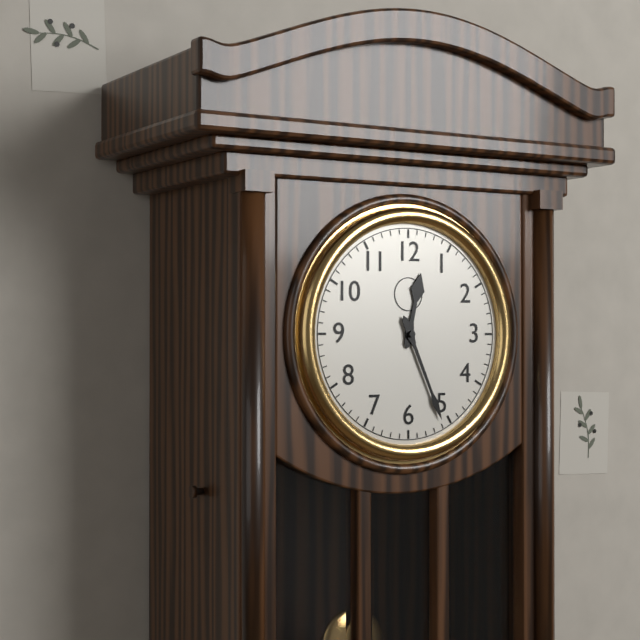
12.26
